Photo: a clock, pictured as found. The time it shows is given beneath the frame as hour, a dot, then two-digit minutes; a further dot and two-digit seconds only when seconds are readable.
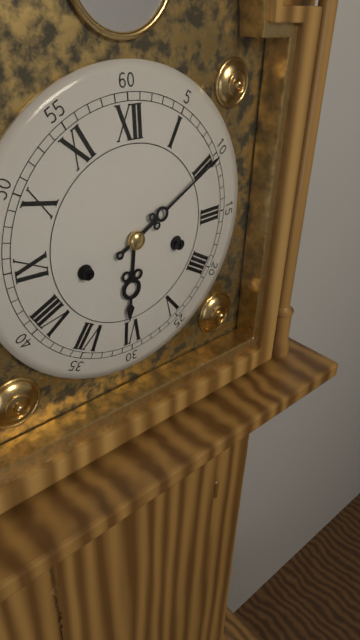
6.10
